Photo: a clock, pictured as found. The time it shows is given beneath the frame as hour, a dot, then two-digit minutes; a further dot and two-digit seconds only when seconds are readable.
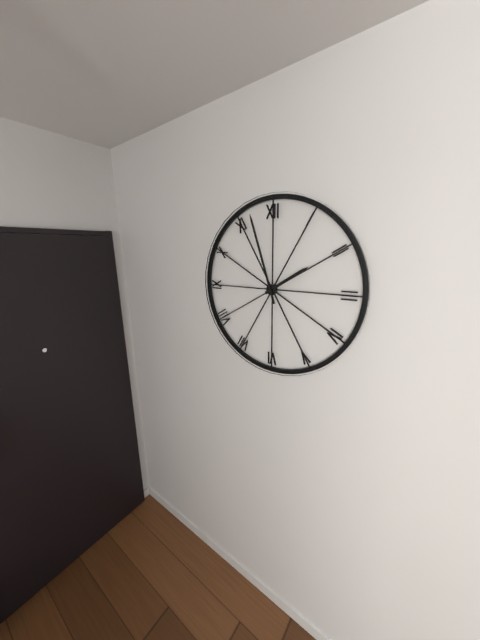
1.57
